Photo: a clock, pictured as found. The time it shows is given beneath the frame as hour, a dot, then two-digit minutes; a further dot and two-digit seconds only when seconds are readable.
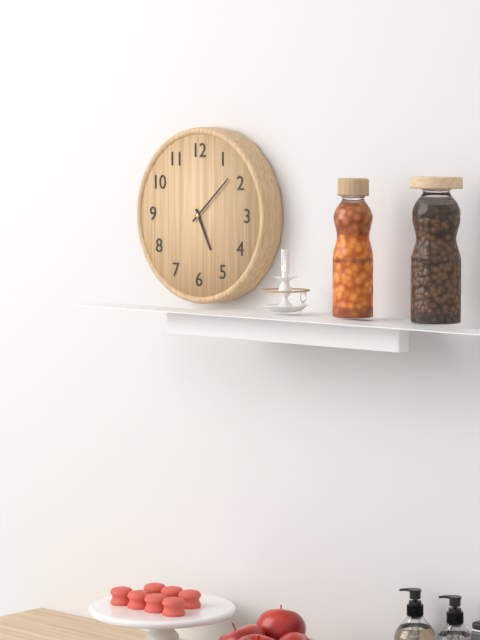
5.08
